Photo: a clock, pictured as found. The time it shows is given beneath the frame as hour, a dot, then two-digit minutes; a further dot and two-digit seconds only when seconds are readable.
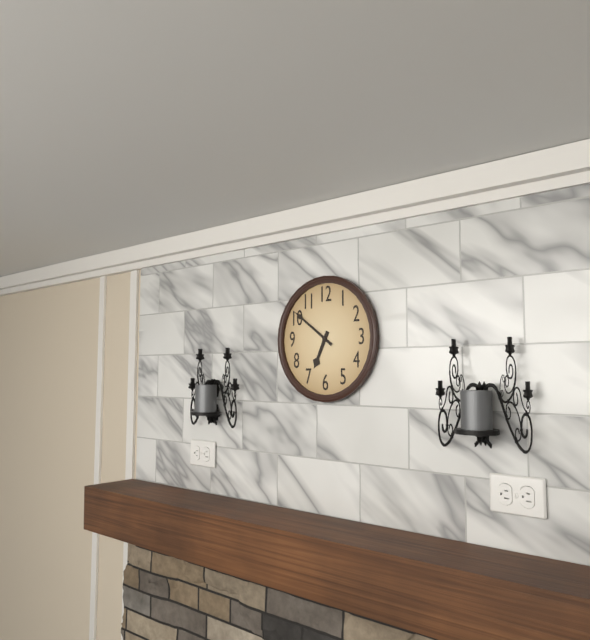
6.51
